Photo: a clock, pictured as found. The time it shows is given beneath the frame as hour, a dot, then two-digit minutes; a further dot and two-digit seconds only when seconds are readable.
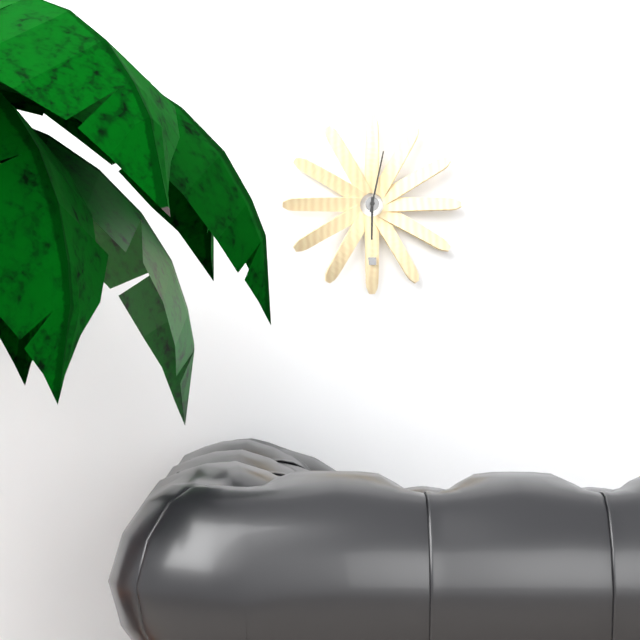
6.02
